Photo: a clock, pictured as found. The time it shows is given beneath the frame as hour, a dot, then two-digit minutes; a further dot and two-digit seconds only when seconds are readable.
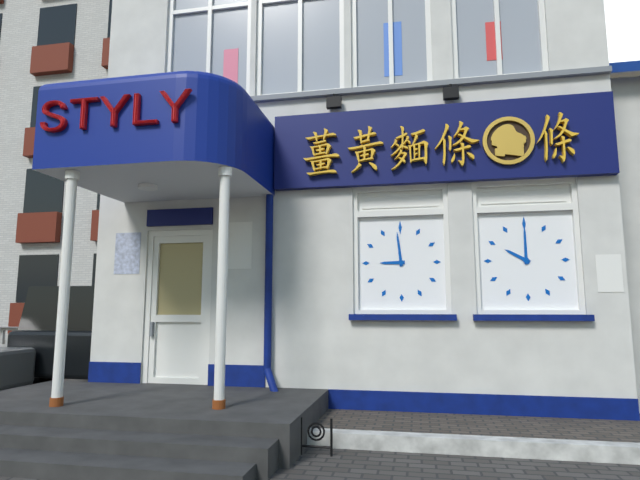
8.59
